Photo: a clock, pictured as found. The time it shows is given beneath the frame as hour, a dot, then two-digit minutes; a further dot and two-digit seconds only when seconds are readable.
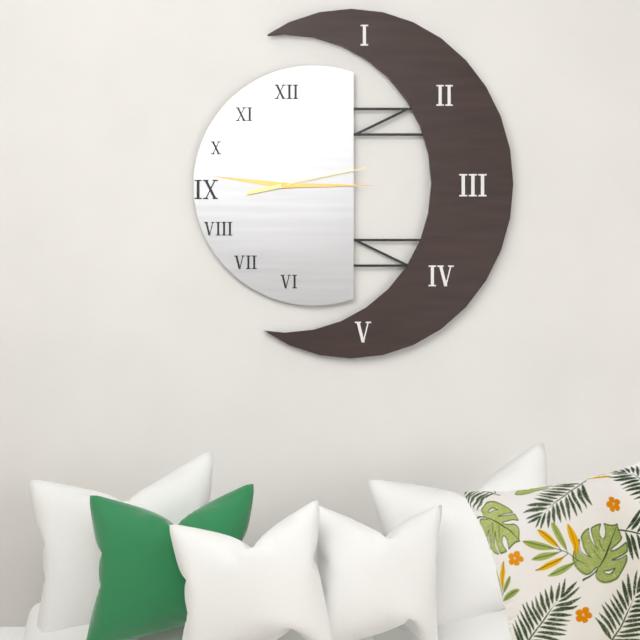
9.15.13
